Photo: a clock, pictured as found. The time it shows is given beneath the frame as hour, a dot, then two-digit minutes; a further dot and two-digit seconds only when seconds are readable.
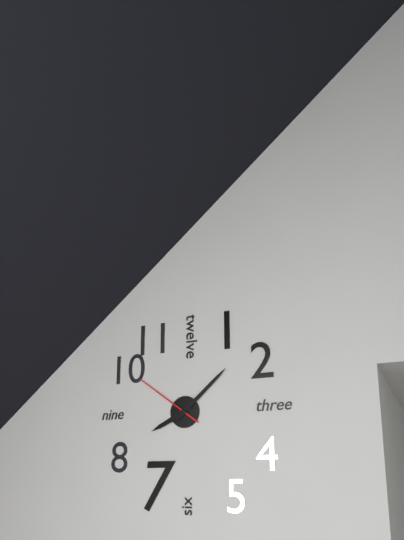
8.08.51
